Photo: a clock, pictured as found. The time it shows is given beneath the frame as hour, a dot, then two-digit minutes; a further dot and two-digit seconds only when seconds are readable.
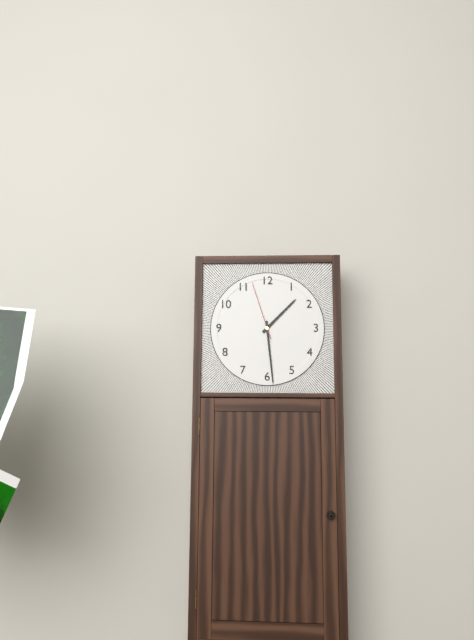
1.29.57
